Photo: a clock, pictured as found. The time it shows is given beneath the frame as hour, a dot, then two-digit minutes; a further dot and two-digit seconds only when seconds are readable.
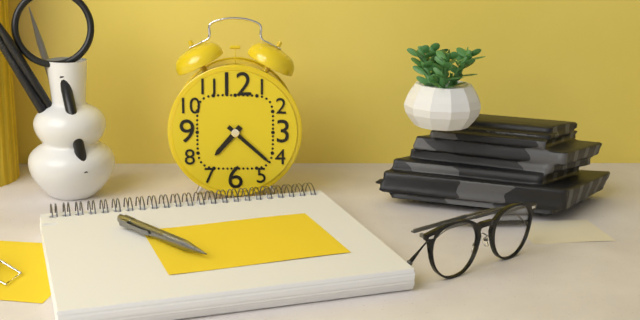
7.22
